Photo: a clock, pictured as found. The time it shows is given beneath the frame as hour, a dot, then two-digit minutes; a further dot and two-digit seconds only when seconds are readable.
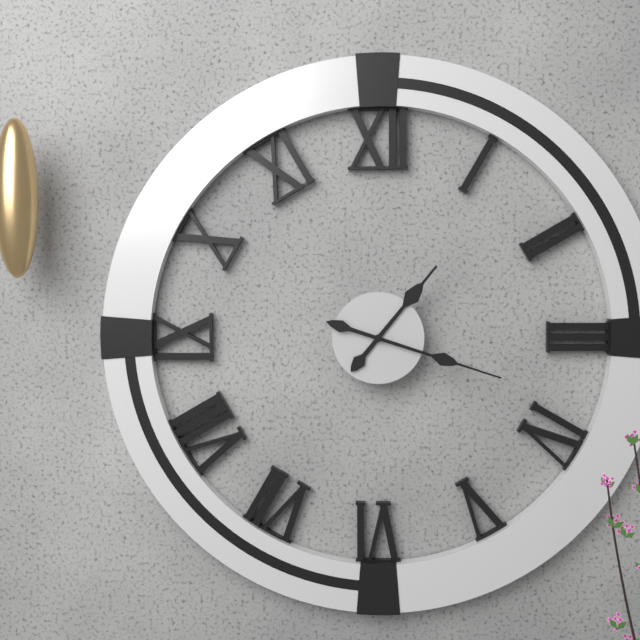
1.18
